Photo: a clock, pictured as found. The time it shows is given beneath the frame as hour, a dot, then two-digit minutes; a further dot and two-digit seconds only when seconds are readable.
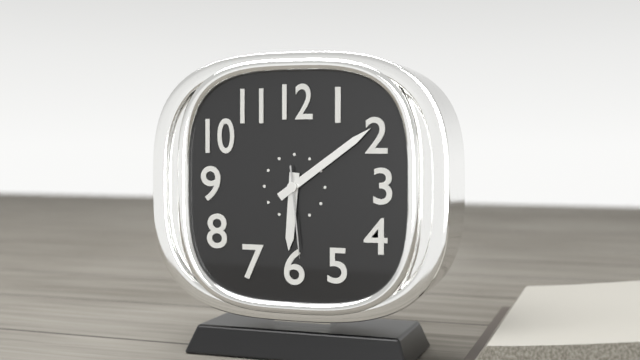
6.09.29
